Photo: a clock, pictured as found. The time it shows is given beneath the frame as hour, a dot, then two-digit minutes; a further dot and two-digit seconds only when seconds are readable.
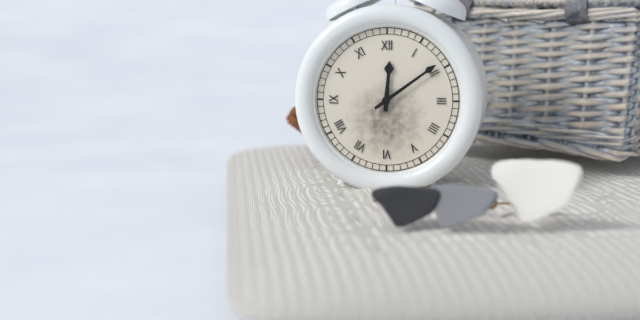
12.09
